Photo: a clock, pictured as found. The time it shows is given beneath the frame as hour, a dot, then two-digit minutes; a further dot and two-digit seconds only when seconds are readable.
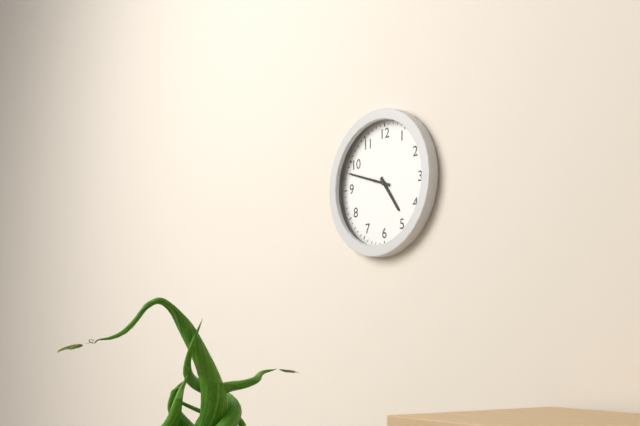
4.48
